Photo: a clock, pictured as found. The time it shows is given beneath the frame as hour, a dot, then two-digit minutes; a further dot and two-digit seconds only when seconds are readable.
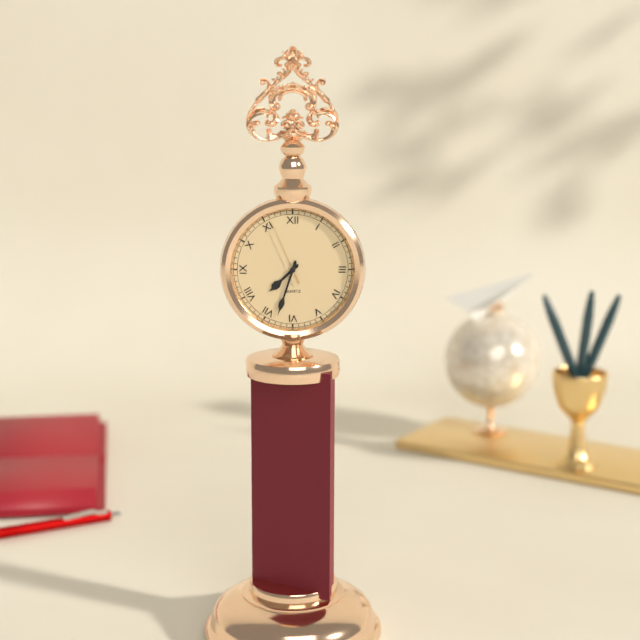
7.33.56
